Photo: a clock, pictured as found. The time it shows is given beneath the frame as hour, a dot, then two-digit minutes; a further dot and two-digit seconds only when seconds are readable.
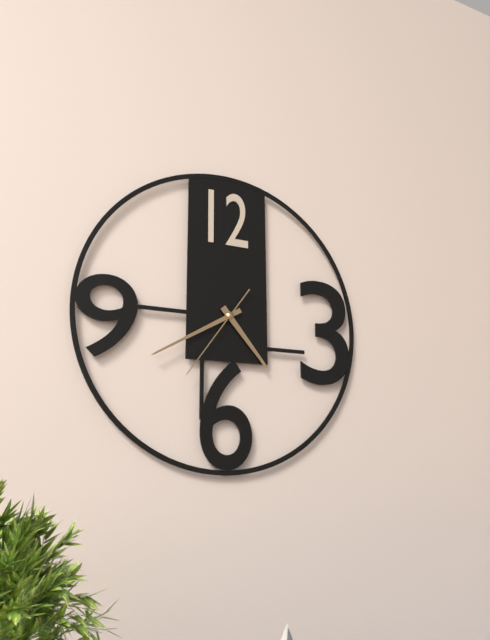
4.40.36
